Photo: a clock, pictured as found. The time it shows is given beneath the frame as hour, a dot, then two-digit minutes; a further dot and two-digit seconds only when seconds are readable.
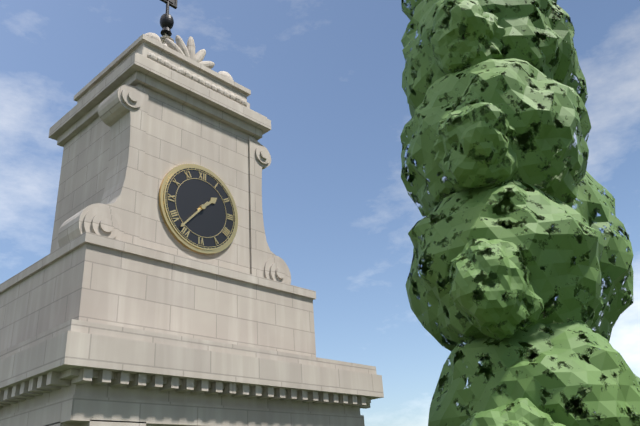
1.37
